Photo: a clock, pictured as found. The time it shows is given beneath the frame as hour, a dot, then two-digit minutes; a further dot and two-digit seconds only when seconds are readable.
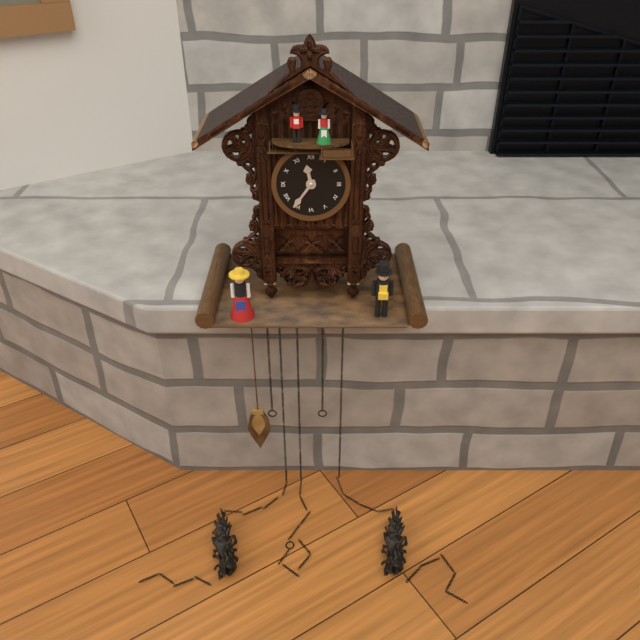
11.36
